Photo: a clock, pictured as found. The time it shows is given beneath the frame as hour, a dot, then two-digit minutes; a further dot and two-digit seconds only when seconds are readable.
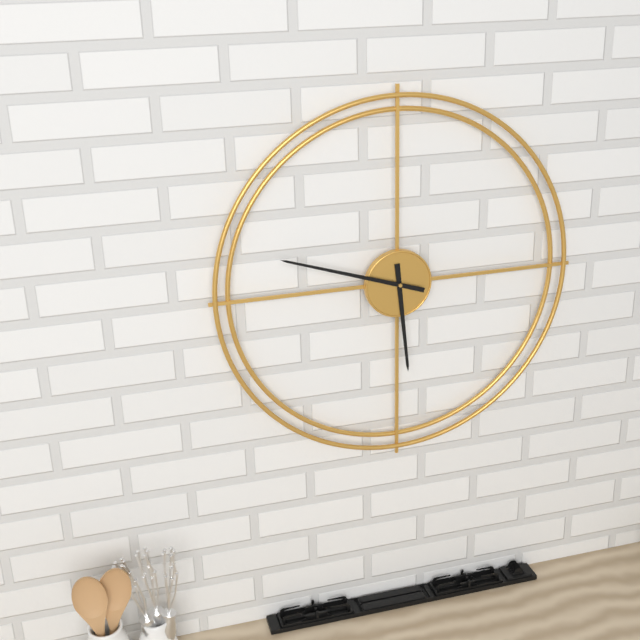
5.48
